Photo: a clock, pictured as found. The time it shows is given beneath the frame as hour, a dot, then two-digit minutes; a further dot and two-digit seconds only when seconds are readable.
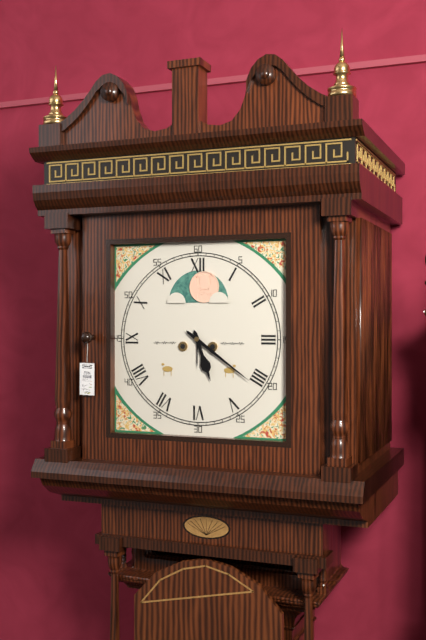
5.21
